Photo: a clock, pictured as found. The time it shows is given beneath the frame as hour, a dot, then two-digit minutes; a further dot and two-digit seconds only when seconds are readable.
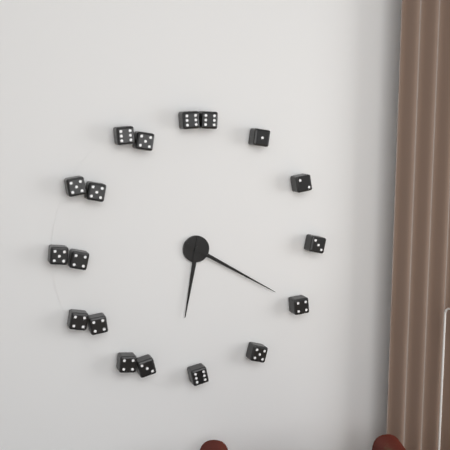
6.20
